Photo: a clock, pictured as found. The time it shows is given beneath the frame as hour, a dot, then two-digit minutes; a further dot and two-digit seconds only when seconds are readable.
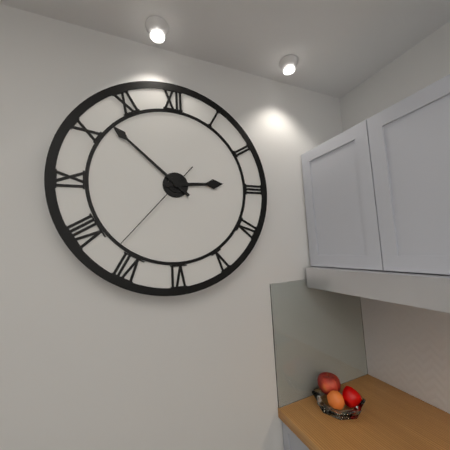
2.52.37
